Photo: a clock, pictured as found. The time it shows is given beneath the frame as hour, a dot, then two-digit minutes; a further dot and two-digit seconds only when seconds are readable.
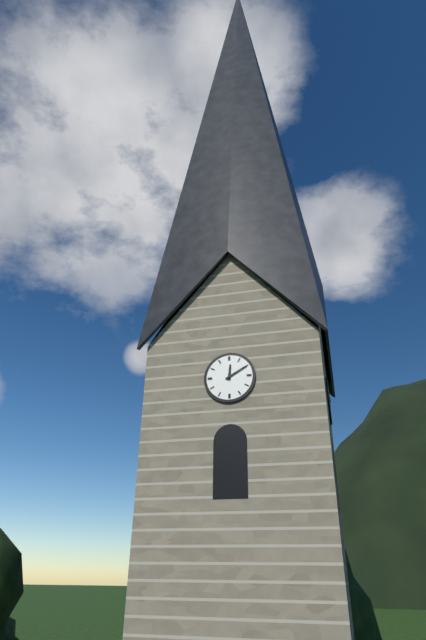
12.10
